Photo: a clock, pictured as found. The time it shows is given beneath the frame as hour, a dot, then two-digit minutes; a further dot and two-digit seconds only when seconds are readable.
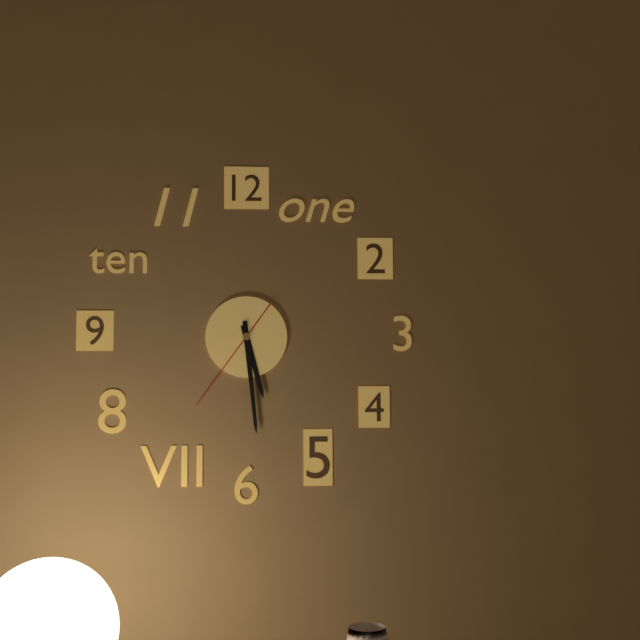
5.29.36
